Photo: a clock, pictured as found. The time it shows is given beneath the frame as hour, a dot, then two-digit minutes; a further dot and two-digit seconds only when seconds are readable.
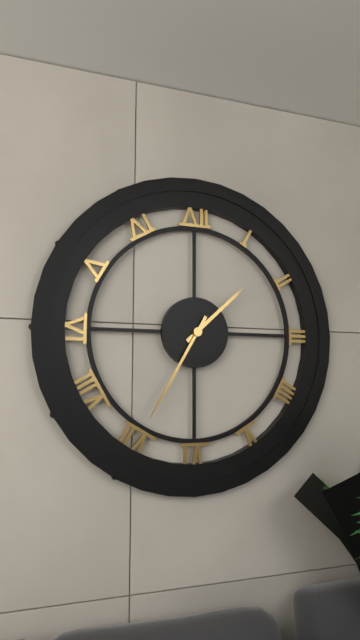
1.35
